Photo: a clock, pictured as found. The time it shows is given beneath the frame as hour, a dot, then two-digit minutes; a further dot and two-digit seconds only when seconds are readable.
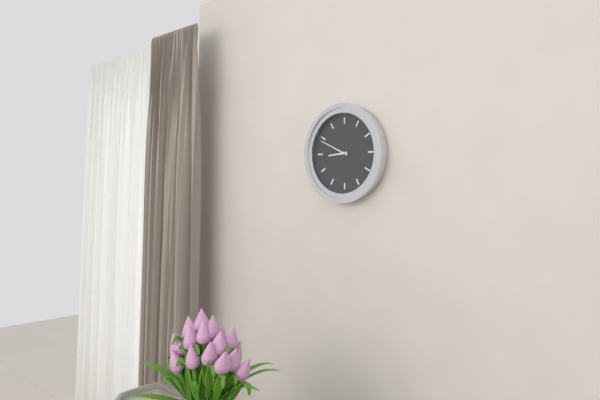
8.49
